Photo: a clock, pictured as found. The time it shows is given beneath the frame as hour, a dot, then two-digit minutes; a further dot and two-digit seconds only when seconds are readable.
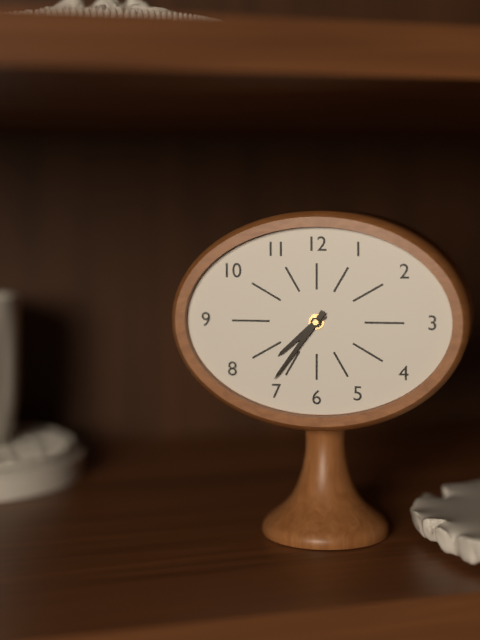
7.36
